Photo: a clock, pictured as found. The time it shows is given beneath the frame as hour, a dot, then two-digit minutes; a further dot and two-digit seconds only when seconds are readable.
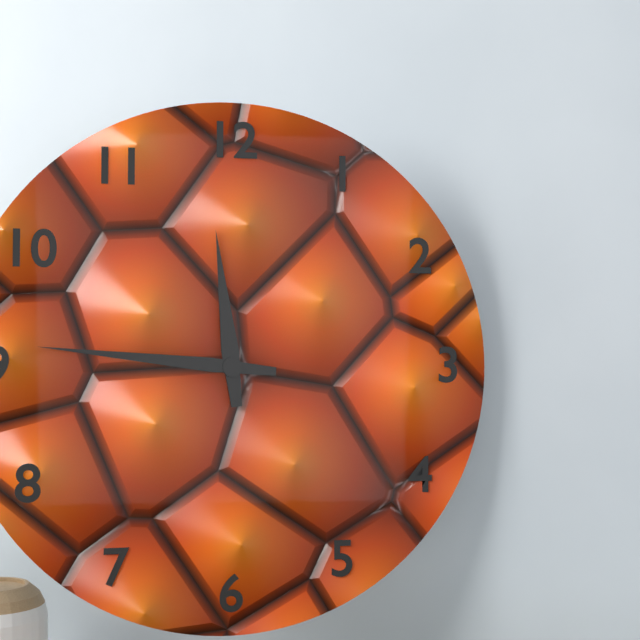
11.46
